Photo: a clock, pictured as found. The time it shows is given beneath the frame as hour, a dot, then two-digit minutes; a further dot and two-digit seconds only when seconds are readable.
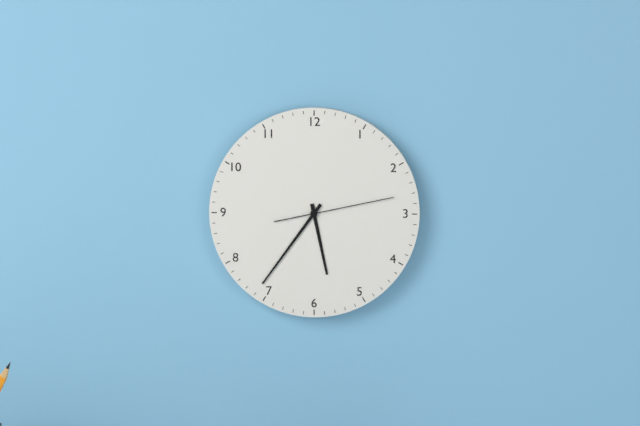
5.36.13
